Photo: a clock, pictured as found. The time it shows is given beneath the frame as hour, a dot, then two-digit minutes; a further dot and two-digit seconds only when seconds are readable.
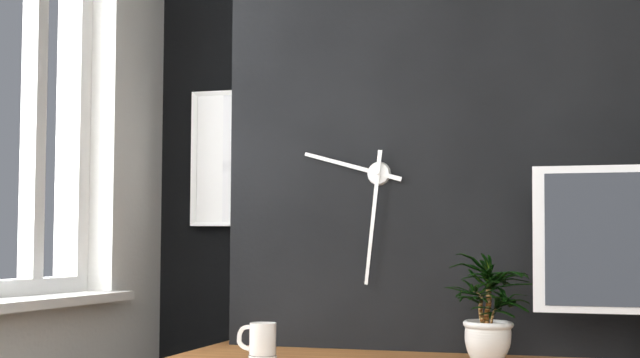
9.31
